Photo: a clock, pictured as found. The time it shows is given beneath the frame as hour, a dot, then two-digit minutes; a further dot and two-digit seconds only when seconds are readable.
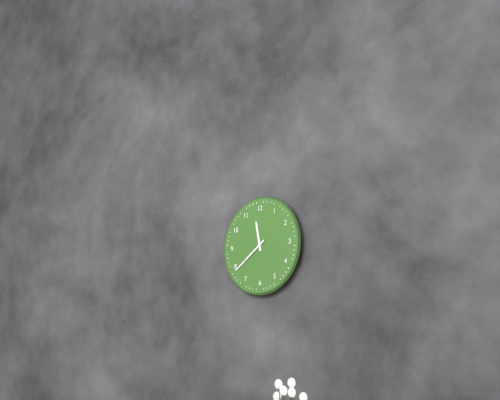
11.39
